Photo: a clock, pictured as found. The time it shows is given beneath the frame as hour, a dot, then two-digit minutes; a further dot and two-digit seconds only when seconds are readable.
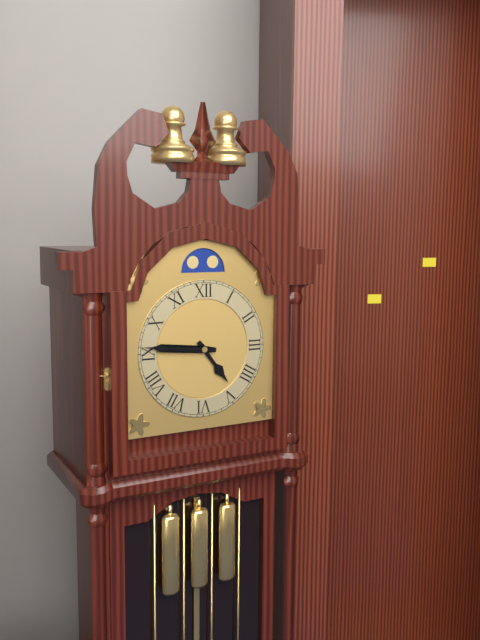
4.46
